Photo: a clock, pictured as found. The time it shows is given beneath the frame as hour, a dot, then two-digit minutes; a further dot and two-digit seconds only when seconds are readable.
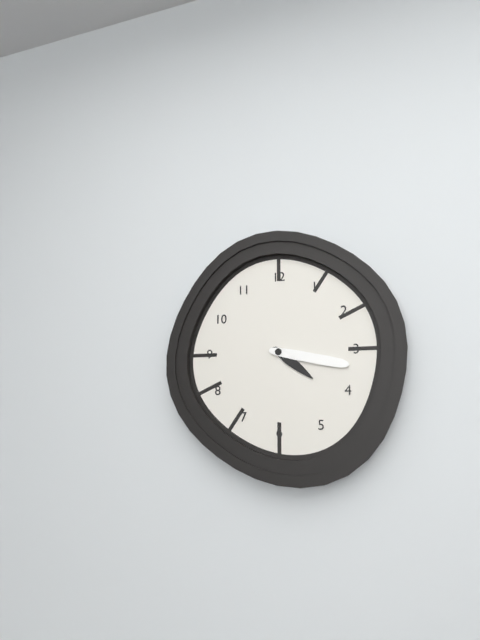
4.17
